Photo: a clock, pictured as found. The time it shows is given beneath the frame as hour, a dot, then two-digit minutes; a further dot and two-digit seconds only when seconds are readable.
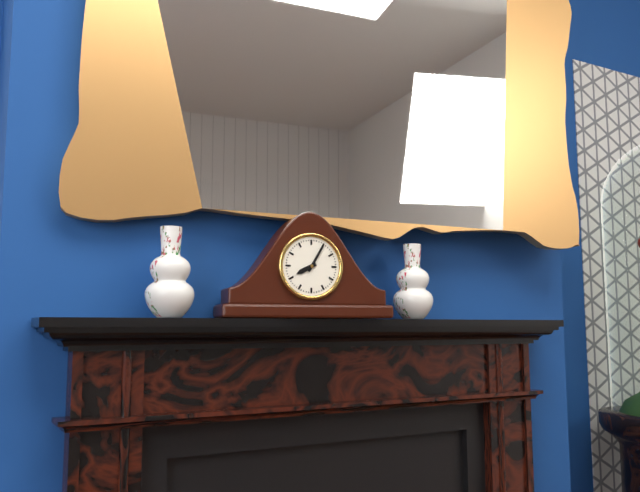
8.05
